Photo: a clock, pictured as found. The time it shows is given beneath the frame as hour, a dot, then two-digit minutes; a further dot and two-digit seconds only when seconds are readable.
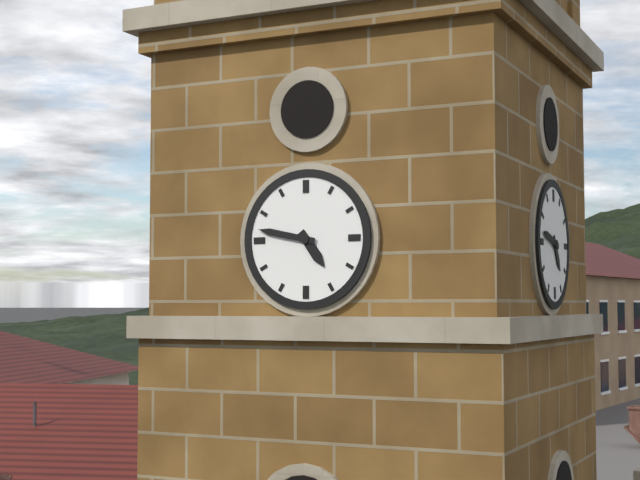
4.47
